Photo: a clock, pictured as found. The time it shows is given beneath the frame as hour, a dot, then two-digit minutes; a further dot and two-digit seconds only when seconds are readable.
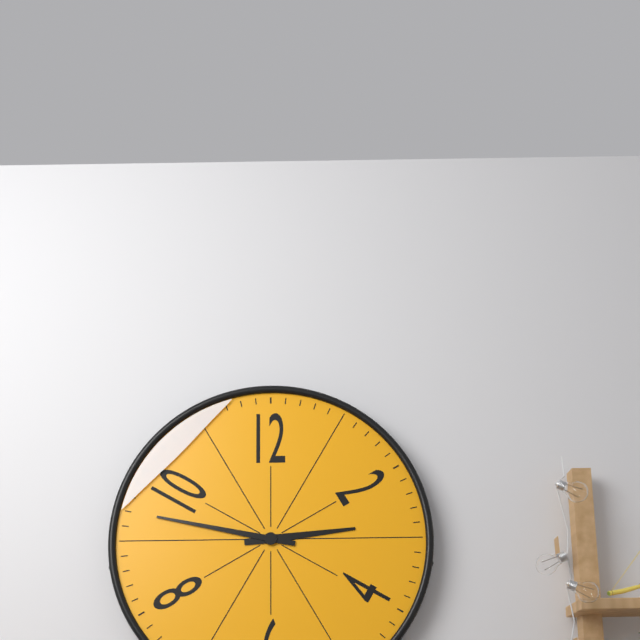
2.47
